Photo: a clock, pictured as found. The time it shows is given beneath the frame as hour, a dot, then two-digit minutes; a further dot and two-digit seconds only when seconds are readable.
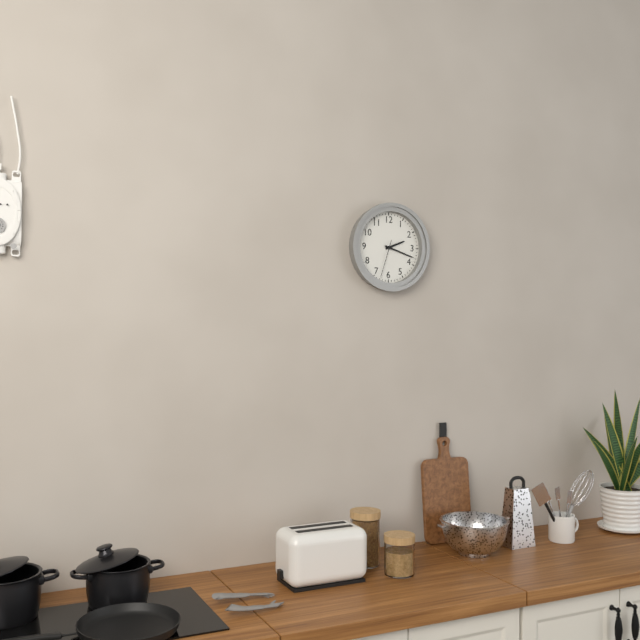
2.18
